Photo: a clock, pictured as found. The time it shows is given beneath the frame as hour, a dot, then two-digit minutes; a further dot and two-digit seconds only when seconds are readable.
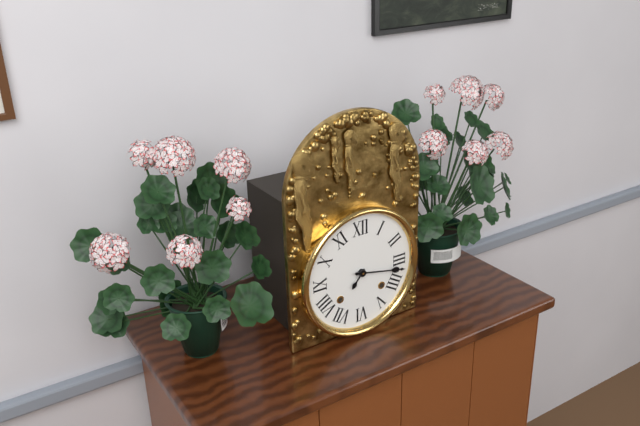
7.17
